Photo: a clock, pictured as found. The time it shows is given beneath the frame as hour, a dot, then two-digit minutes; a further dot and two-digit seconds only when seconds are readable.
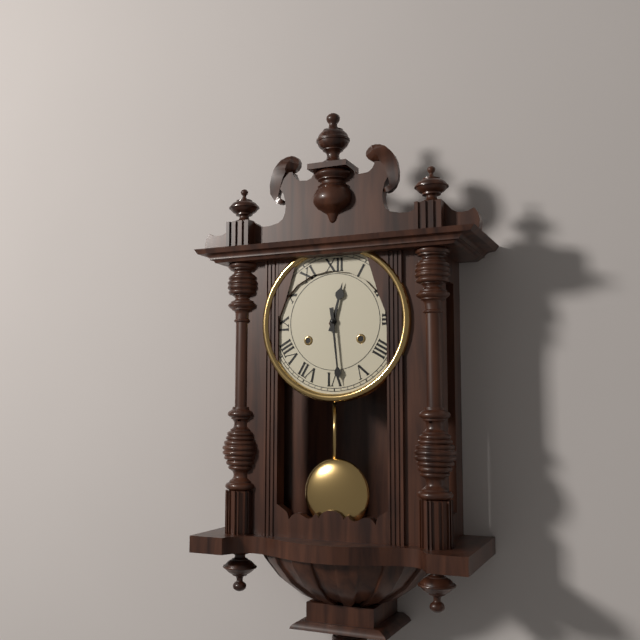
12.29
